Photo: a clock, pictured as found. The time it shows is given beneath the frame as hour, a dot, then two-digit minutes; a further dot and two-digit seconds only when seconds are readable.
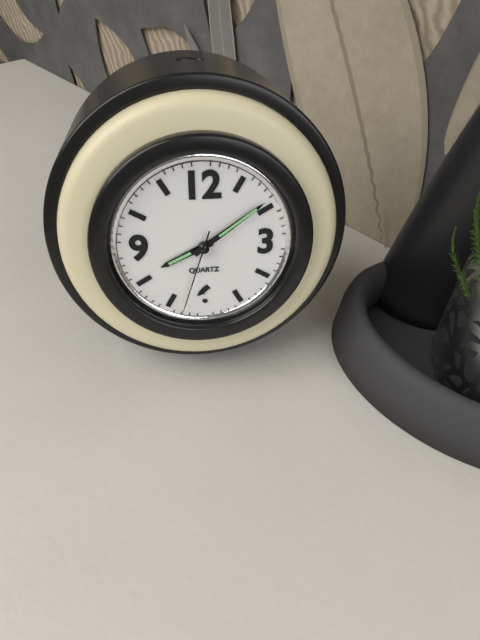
8.09.33
